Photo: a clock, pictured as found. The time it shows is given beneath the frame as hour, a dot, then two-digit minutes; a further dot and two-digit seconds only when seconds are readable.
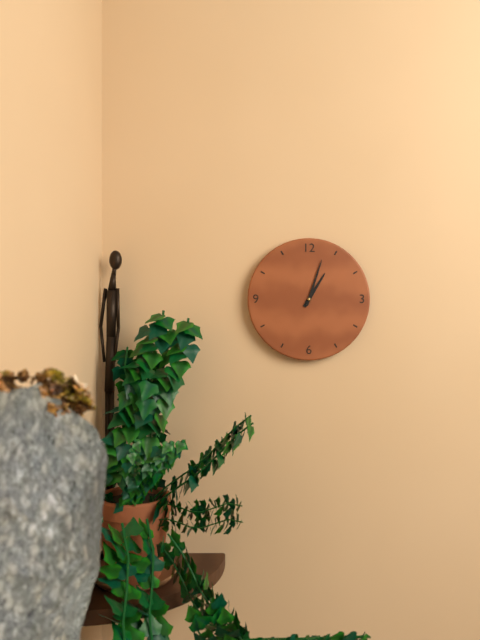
1.03
